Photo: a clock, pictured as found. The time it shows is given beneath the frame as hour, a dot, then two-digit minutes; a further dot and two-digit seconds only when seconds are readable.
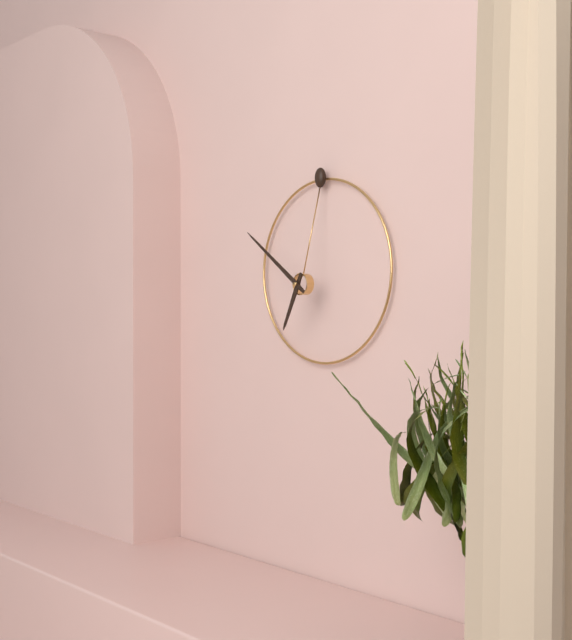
6.51
